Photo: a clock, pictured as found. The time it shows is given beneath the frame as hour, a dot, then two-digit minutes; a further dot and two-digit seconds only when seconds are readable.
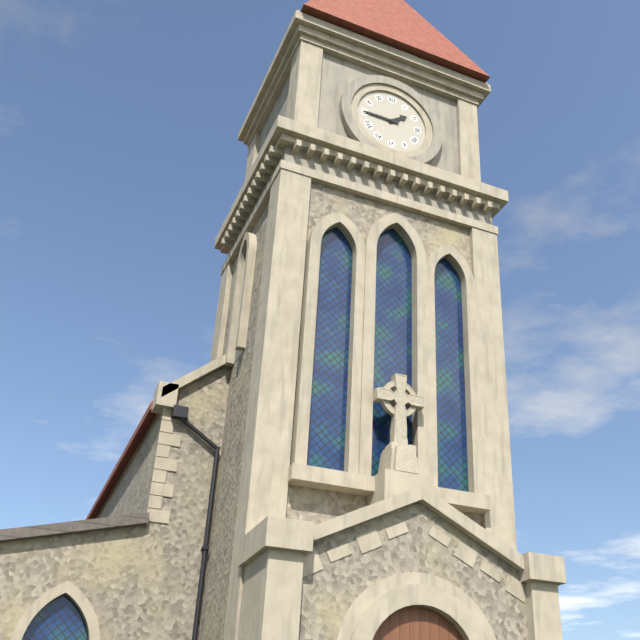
1.45
